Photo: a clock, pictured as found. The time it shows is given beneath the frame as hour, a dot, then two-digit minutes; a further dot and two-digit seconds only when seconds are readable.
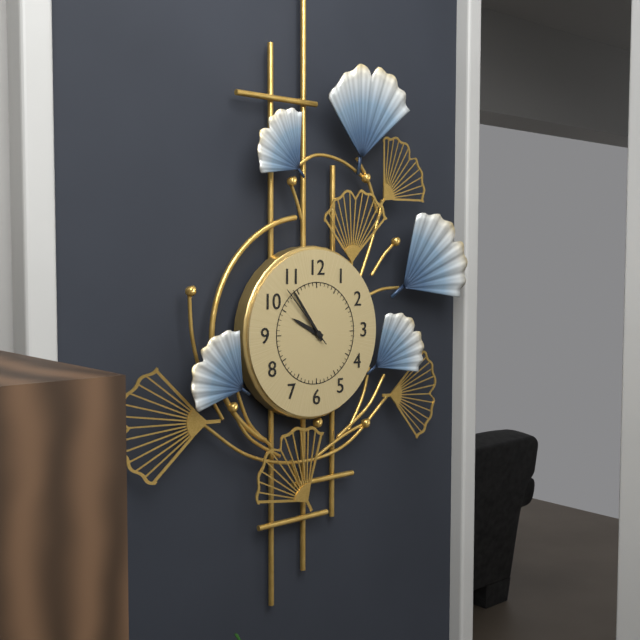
9.54.53
